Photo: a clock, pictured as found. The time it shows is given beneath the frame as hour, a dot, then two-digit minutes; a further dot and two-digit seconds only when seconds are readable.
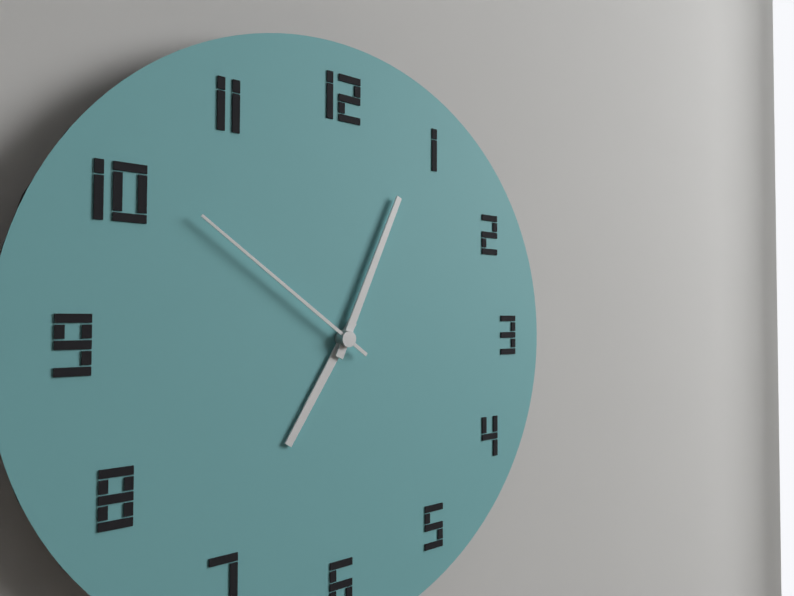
7.04.51
